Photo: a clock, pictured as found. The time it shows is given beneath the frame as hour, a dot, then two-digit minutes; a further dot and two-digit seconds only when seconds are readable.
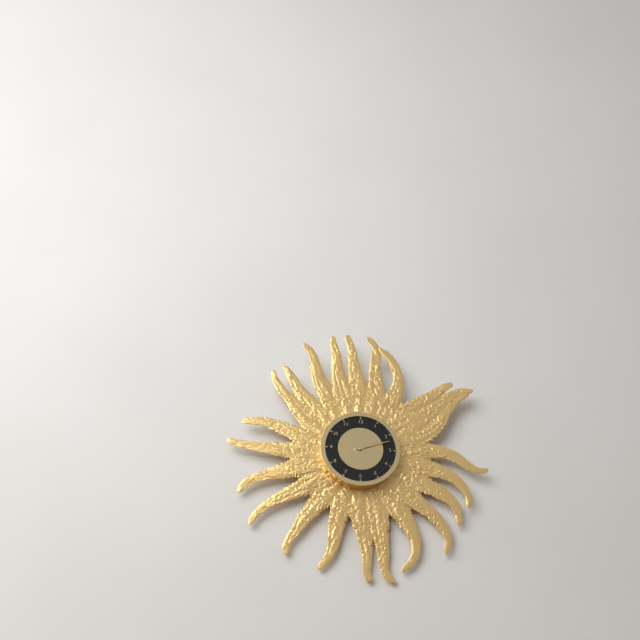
2.12
